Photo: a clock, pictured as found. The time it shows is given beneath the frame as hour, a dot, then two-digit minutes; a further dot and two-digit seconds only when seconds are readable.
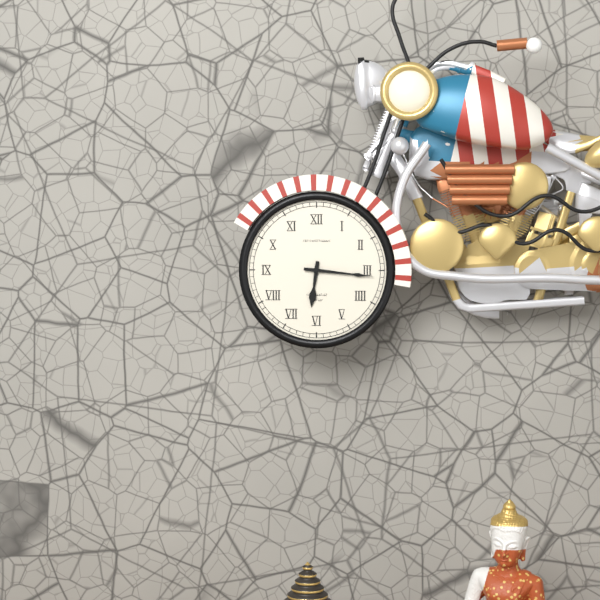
6.16
